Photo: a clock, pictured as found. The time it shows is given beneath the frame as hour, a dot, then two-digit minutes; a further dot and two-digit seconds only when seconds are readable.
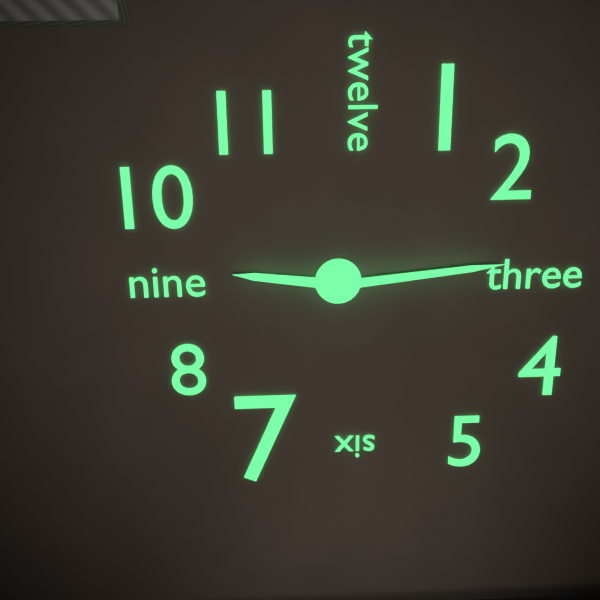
9.14
